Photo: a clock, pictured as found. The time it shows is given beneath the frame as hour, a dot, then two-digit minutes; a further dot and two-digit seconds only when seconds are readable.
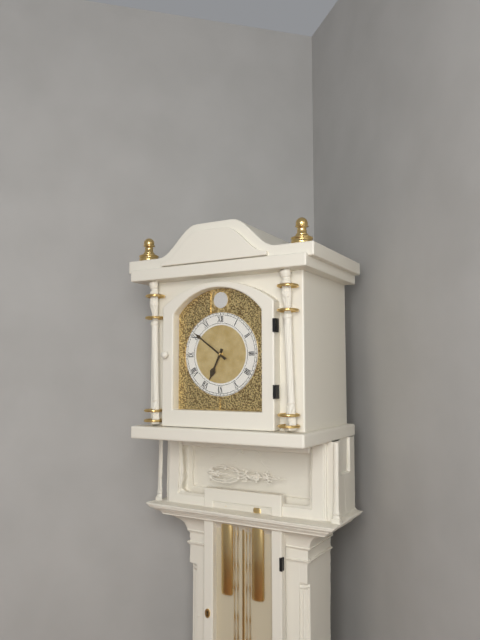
6.51
